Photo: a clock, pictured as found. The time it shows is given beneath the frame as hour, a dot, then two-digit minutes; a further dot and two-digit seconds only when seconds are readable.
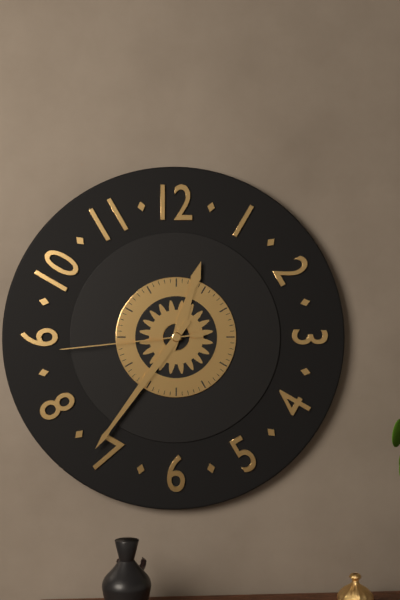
12.36.44
